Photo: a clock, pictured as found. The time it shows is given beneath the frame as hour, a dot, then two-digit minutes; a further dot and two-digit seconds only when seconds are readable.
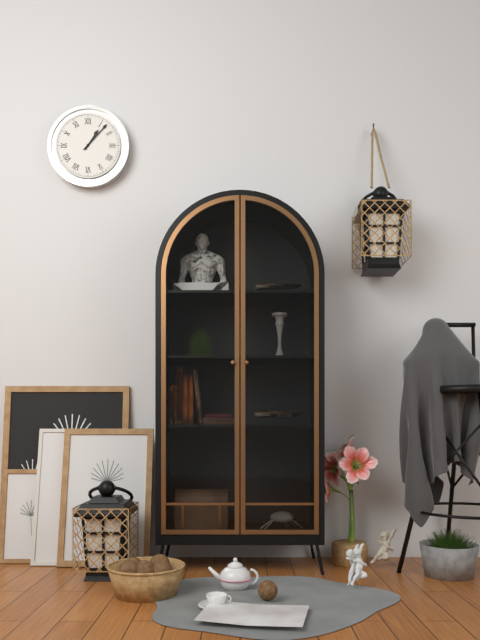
1.07
